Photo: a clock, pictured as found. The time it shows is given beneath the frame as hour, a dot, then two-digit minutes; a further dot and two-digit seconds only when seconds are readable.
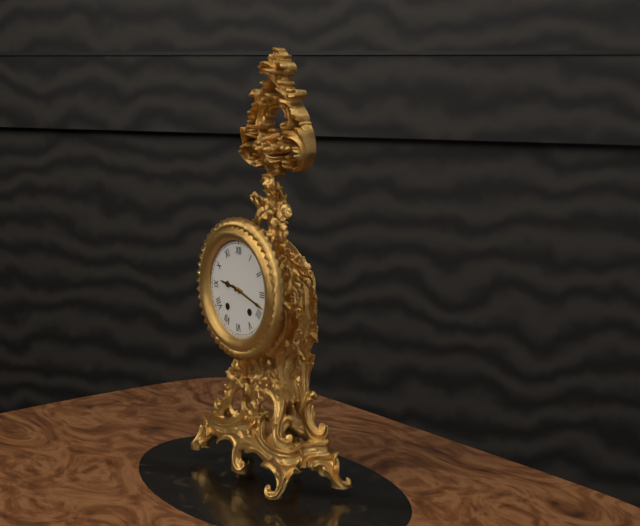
9.18
